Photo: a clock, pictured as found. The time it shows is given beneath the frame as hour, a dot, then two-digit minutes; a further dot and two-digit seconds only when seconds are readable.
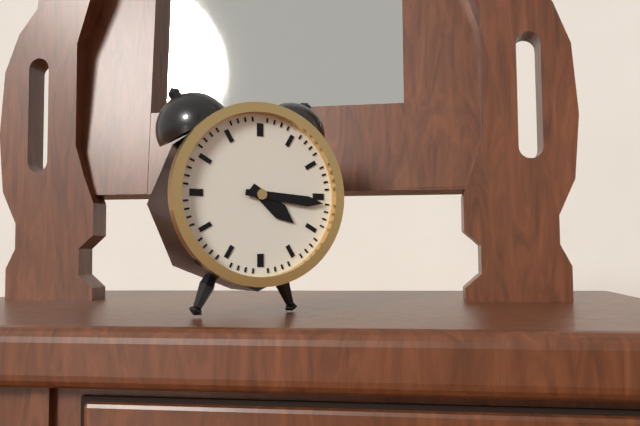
4.16
